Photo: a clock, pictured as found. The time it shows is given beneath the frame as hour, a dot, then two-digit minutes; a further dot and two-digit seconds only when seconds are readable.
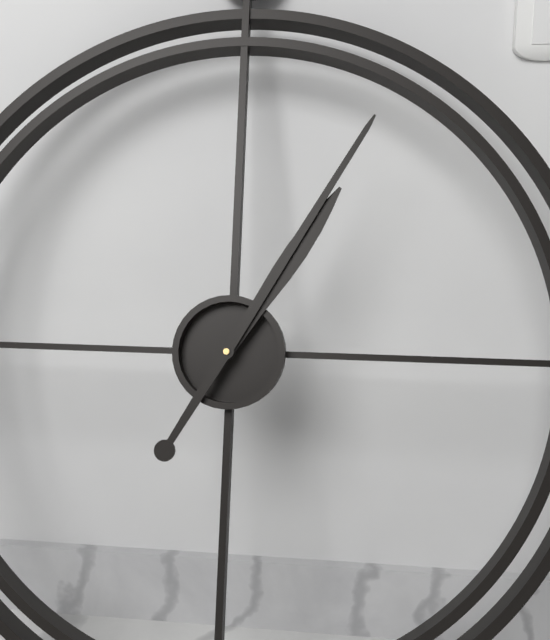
1.05
